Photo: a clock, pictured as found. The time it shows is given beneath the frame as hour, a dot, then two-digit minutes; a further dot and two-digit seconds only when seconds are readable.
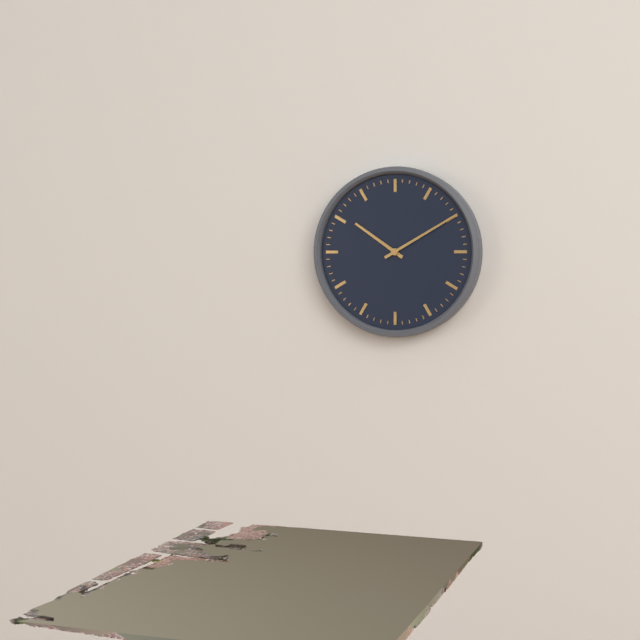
10.10
